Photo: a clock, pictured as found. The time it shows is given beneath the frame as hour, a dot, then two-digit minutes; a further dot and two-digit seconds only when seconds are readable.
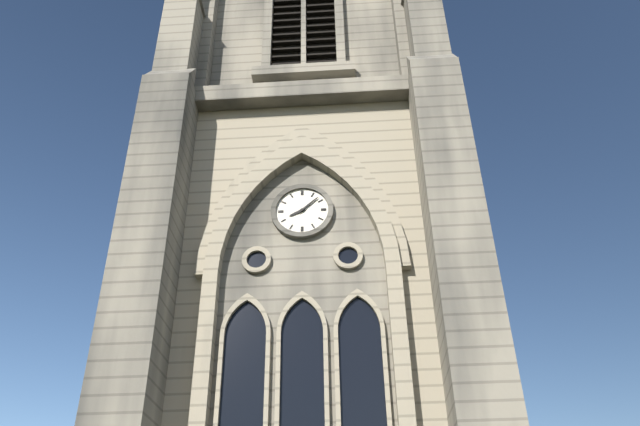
8.08
